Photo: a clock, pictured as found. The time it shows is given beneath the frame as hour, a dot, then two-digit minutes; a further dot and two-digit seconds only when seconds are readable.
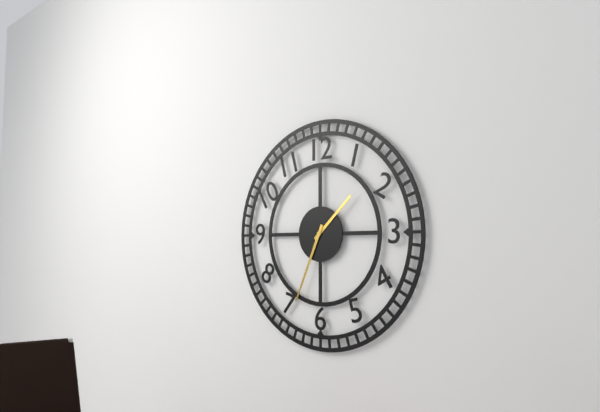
1.34
